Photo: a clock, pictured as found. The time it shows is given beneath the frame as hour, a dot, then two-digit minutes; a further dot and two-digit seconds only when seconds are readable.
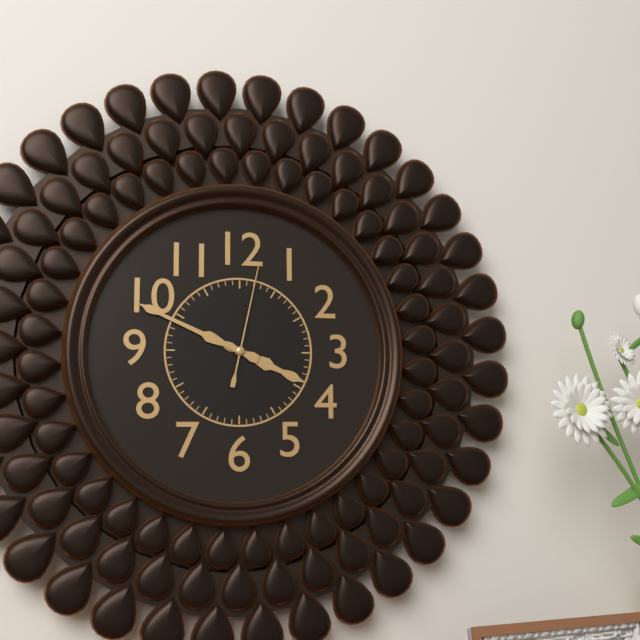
3.49.02
